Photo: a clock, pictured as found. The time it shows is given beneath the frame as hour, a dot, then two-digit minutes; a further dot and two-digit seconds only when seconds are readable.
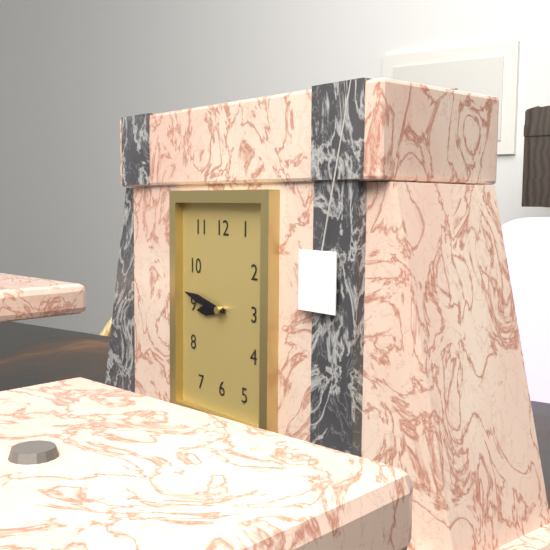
8.47
